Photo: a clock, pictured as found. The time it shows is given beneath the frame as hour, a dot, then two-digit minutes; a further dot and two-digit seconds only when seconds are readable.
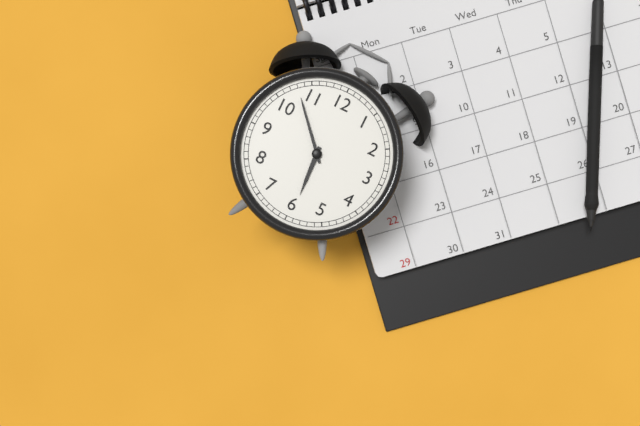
5.53
